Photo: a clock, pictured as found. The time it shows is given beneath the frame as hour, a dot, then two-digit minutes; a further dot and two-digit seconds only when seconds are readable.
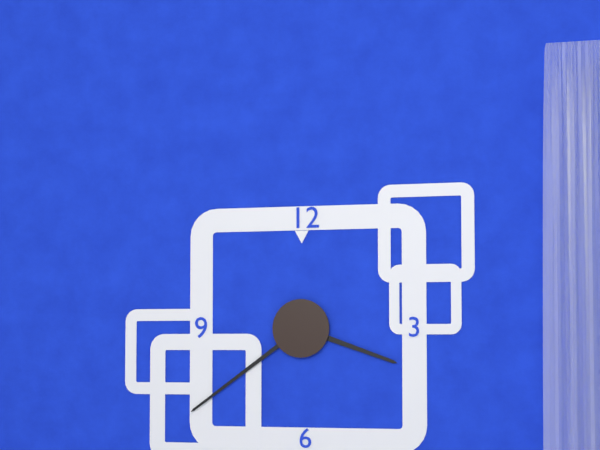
3.39
